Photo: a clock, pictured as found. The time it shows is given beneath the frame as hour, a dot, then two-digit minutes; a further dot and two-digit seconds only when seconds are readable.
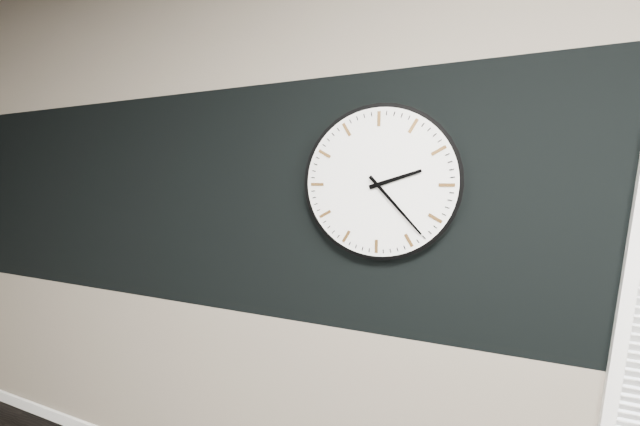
2.23
